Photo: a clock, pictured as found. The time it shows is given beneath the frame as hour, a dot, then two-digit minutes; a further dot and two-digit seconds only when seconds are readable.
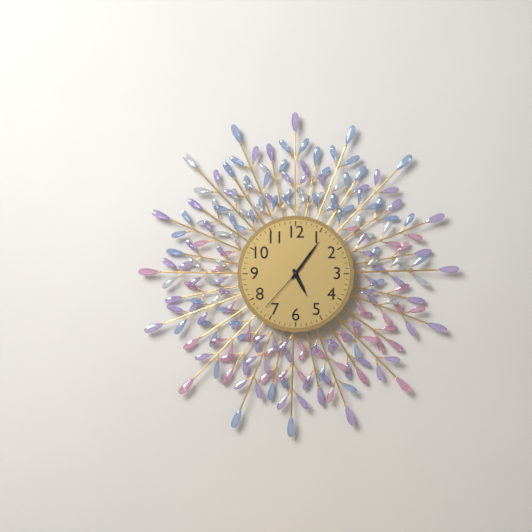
5.06.37
